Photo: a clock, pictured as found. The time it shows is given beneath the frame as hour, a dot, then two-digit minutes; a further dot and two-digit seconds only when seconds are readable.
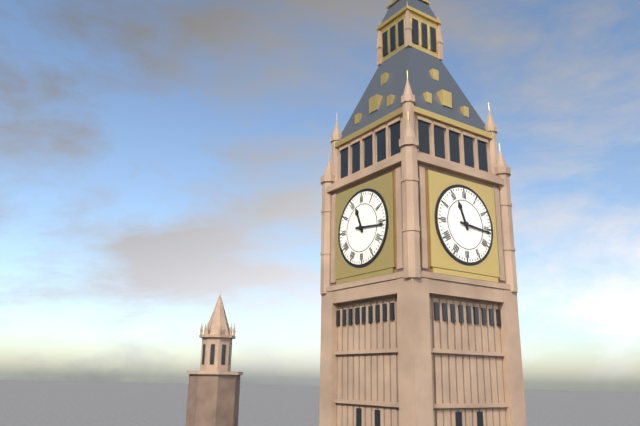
11.16
